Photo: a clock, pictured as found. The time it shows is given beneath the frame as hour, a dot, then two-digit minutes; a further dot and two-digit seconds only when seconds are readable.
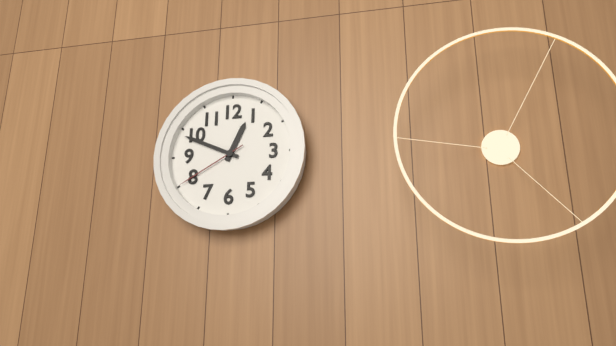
12.49.40
